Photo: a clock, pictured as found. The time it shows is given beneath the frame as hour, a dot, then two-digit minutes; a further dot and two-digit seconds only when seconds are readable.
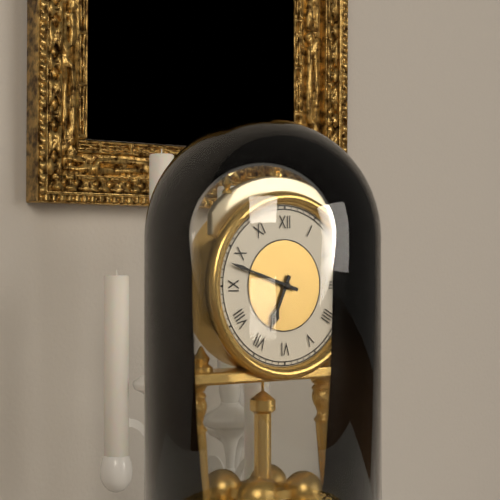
6.48
